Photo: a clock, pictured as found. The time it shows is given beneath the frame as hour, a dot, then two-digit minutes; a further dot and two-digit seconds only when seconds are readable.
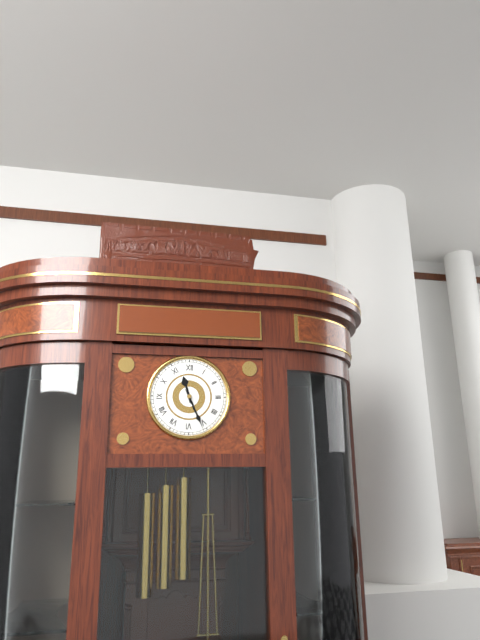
11.26
